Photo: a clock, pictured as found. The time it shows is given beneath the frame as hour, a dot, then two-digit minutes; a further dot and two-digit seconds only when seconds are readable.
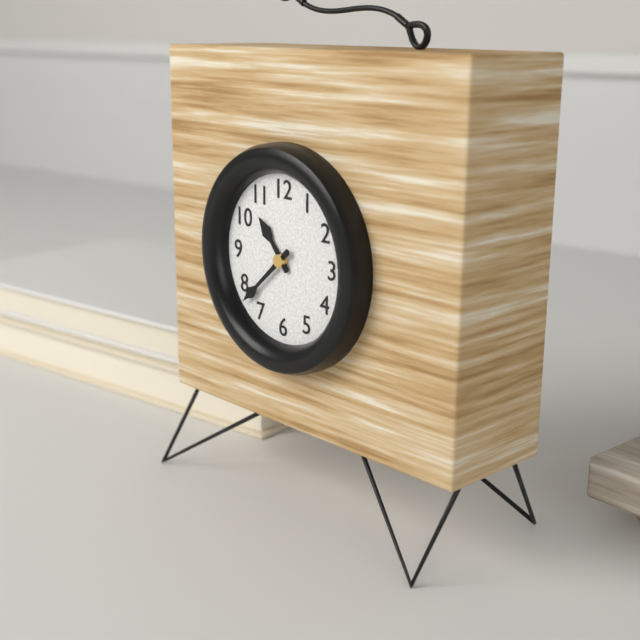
10.38
